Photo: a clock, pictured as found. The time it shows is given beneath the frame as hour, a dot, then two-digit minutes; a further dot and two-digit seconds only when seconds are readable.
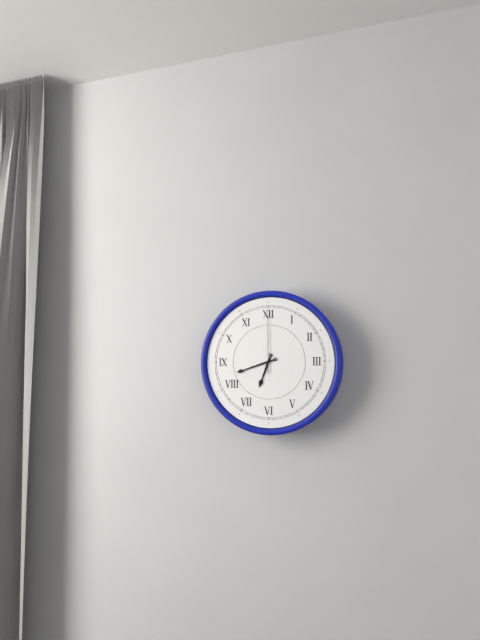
6.42.00
